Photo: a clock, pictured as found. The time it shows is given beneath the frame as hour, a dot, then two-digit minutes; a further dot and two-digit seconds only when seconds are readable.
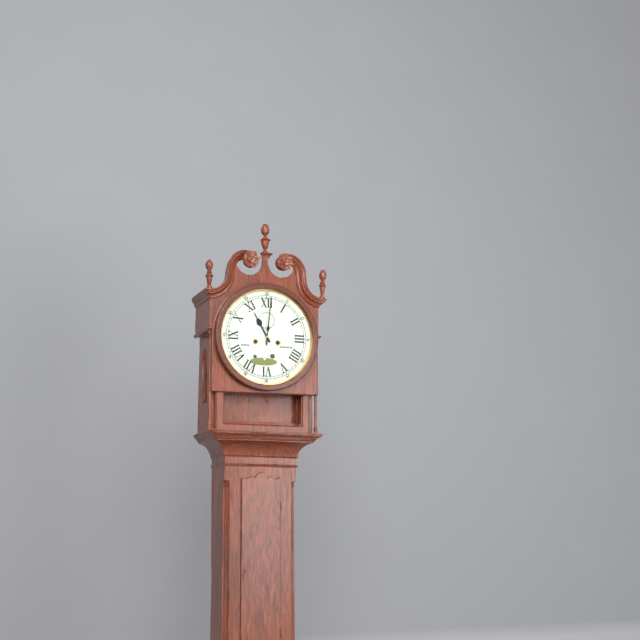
11.01
